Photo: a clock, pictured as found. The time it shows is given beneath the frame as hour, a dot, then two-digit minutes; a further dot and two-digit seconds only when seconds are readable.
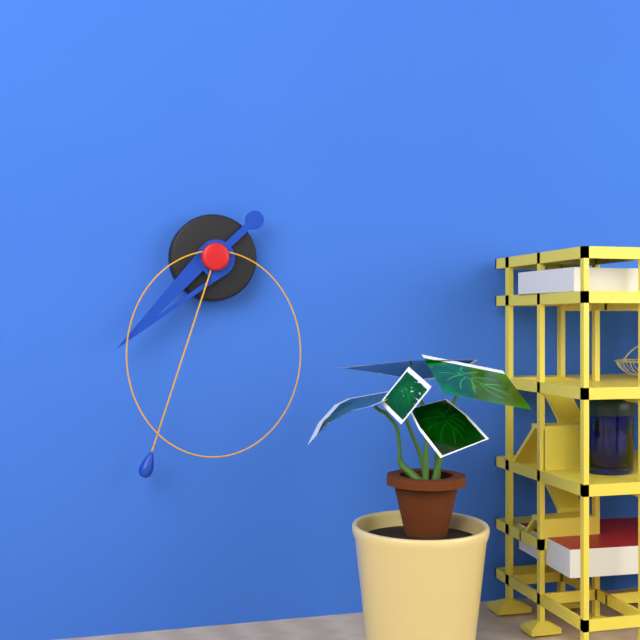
7.33.30
